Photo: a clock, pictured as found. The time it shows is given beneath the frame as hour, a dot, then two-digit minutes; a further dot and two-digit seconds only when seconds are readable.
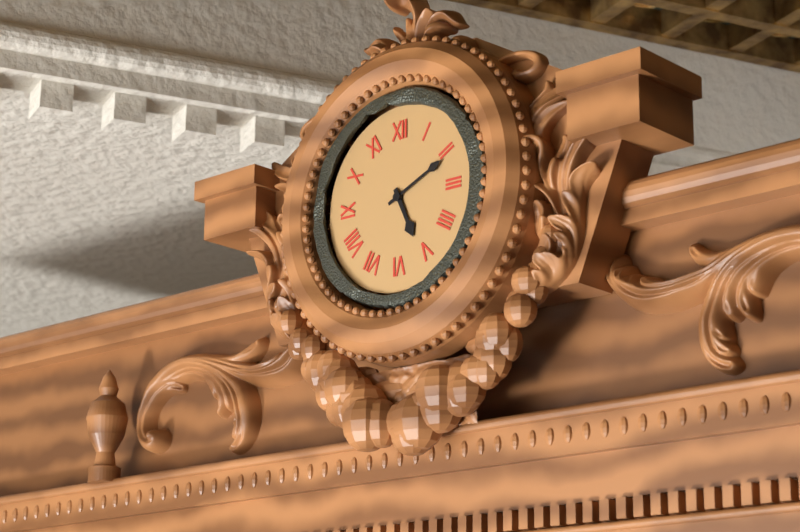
5.11
